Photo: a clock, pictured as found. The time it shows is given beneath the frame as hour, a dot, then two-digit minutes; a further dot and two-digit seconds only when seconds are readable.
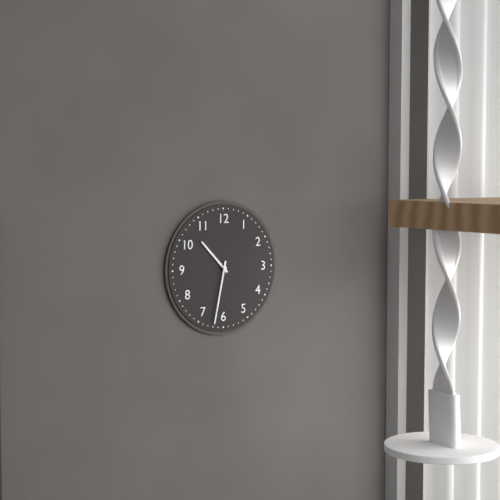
10.32
